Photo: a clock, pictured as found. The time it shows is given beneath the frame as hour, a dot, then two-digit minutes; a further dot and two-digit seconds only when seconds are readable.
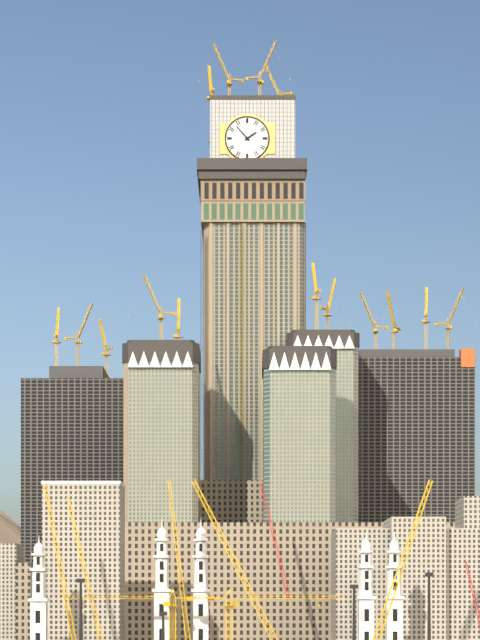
1.53
